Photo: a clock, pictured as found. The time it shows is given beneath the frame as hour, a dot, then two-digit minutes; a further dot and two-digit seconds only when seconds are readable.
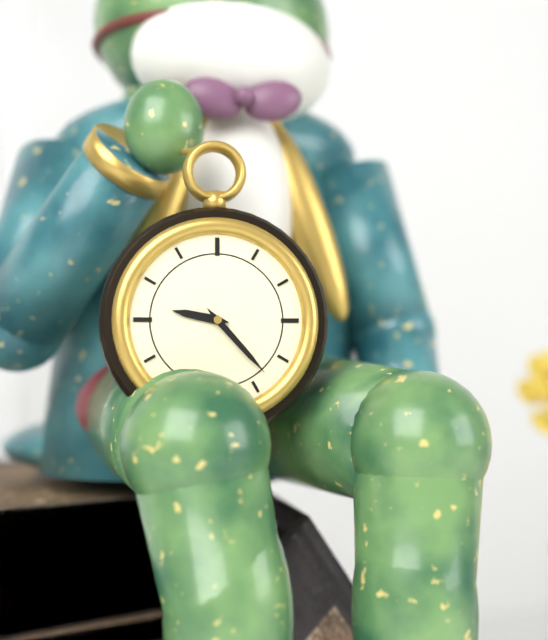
9.23
